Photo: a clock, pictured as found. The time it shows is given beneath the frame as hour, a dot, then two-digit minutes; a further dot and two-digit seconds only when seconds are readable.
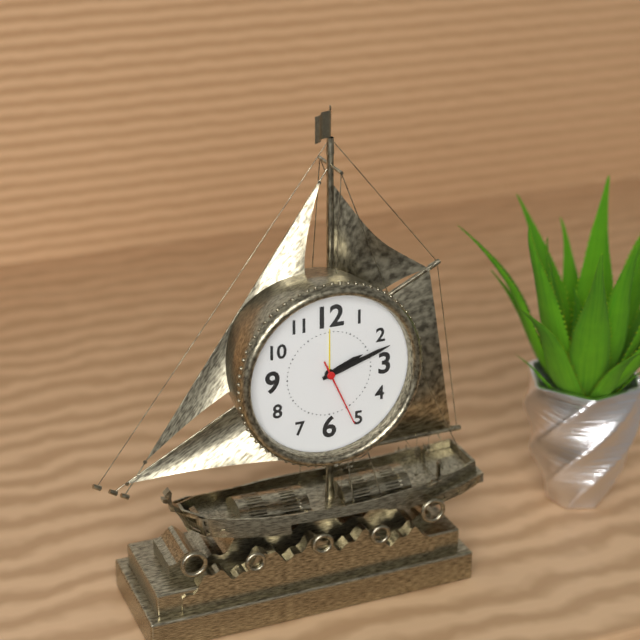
2.12.26
